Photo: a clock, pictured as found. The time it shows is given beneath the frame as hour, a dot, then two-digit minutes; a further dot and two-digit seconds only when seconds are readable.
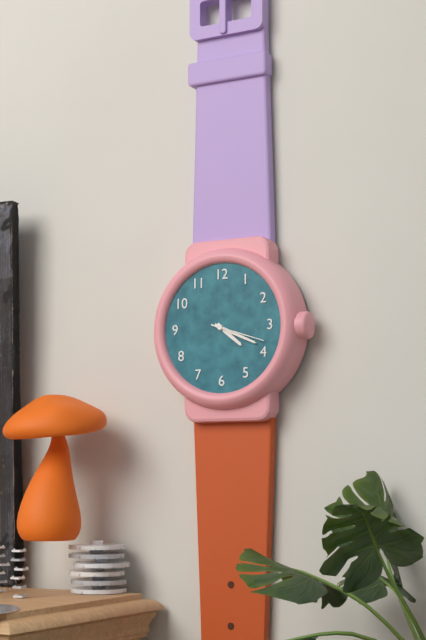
4.19.18
